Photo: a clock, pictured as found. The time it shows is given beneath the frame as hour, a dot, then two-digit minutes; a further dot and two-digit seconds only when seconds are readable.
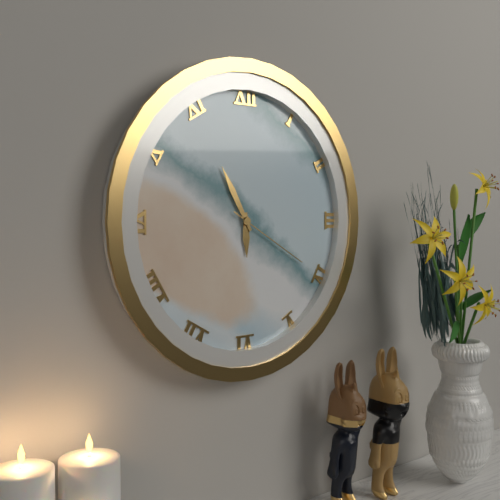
5.55.20
